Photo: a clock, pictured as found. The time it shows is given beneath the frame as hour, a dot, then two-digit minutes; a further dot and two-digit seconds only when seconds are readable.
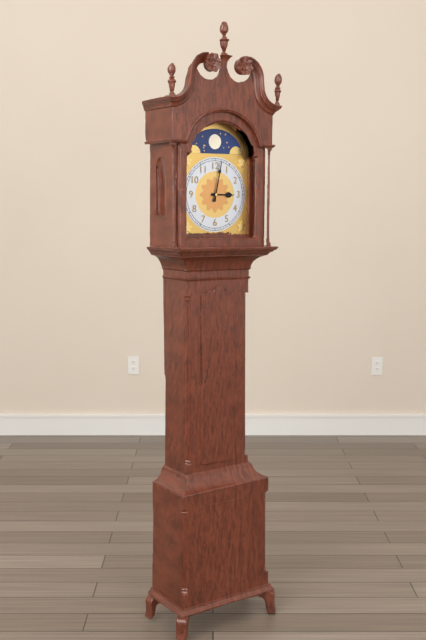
3.02
